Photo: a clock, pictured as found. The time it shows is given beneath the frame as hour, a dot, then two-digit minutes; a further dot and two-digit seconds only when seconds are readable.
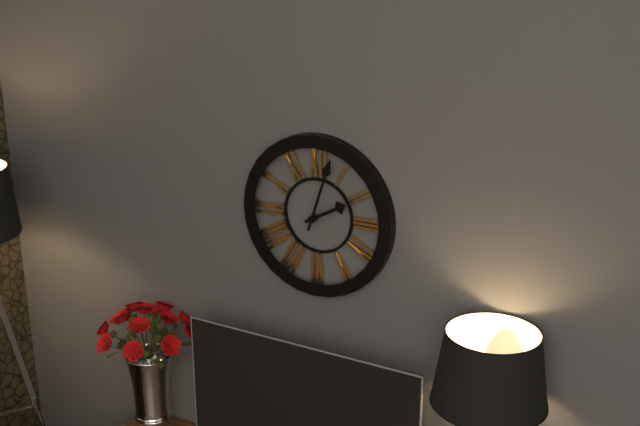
2.03
